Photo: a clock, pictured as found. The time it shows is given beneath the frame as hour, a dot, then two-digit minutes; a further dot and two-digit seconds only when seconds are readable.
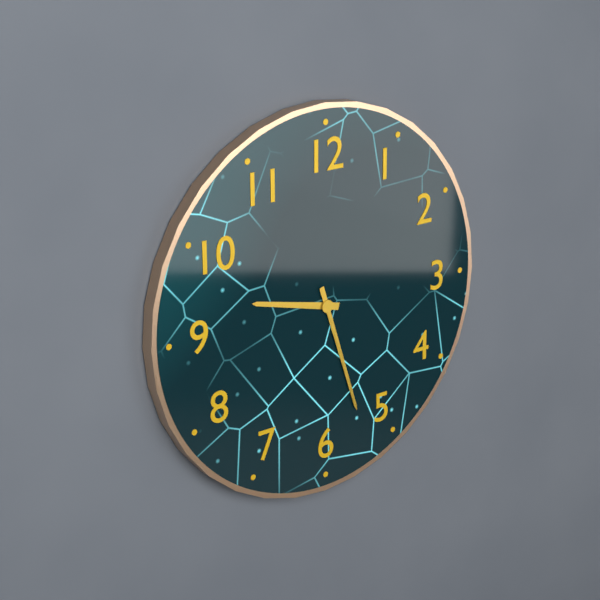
9.27
